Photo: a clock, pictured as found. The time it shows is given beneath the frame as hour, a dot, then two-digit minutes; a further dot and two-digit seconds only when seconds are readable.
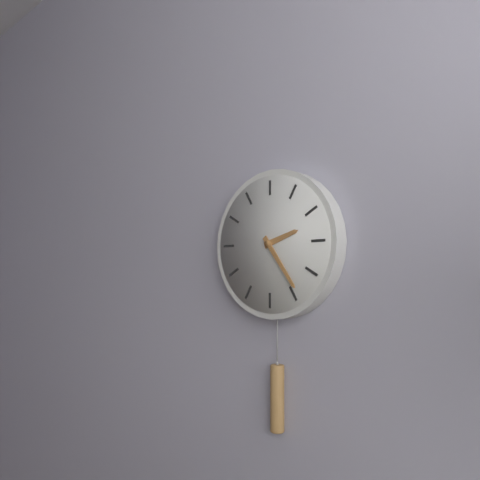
2.24
